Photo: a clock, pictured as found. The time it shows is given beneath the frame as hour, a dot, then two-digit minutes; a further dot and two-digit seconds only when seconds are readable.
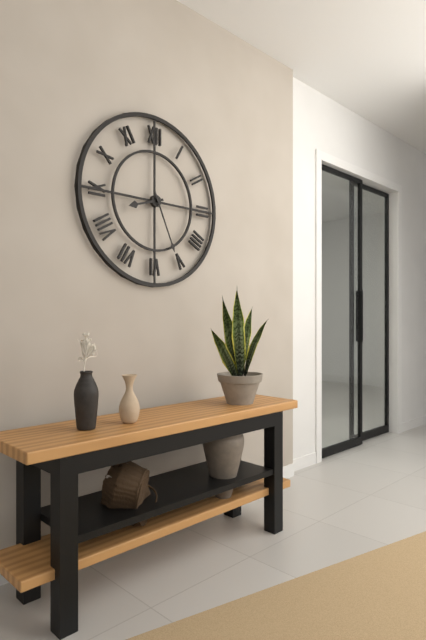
8.26
